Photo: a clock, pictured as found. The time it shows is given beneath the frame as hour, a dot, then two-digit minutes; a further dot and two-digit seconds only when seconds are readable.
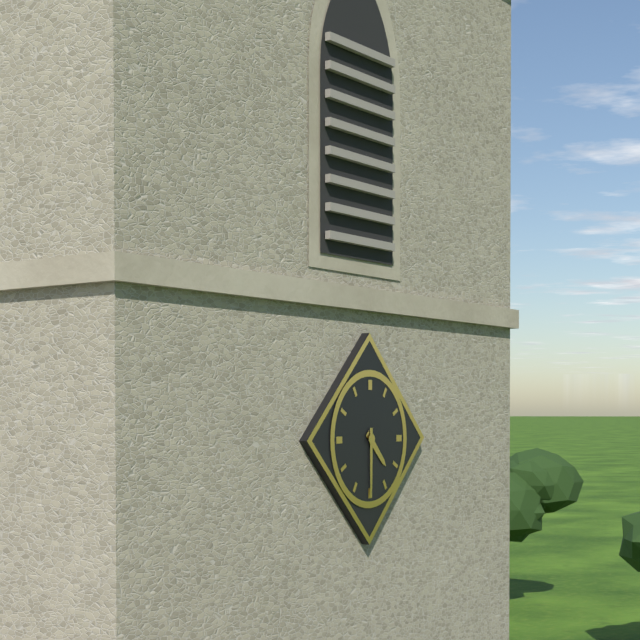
4.30
